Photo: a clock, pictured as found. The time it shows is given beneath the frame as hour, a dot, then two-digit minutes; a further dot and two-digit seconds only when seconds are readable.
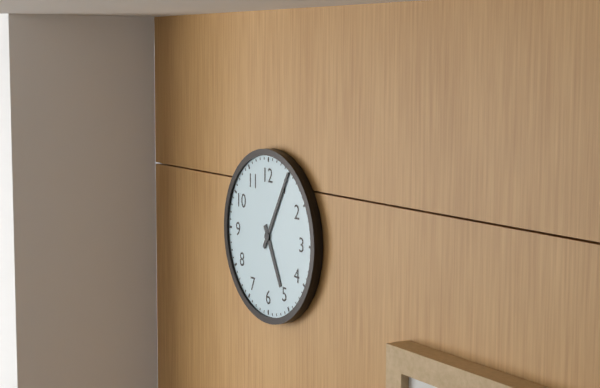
5.05
